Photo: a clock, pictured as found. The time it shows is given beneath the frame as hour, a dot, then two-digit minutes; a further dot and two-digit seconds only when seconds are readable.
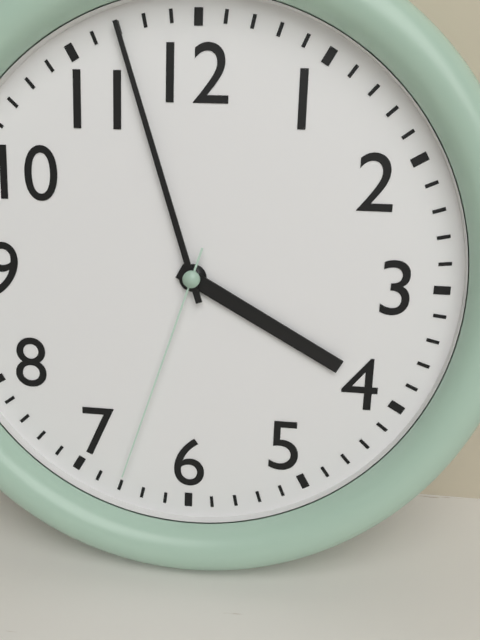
3.57.33
